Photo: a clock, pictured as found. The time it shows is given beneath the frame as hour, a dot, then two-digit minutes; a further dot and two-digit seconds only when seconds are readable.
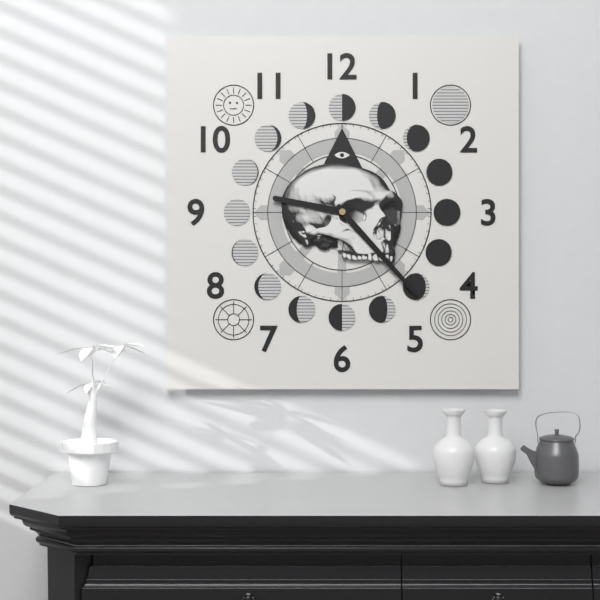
9.23
